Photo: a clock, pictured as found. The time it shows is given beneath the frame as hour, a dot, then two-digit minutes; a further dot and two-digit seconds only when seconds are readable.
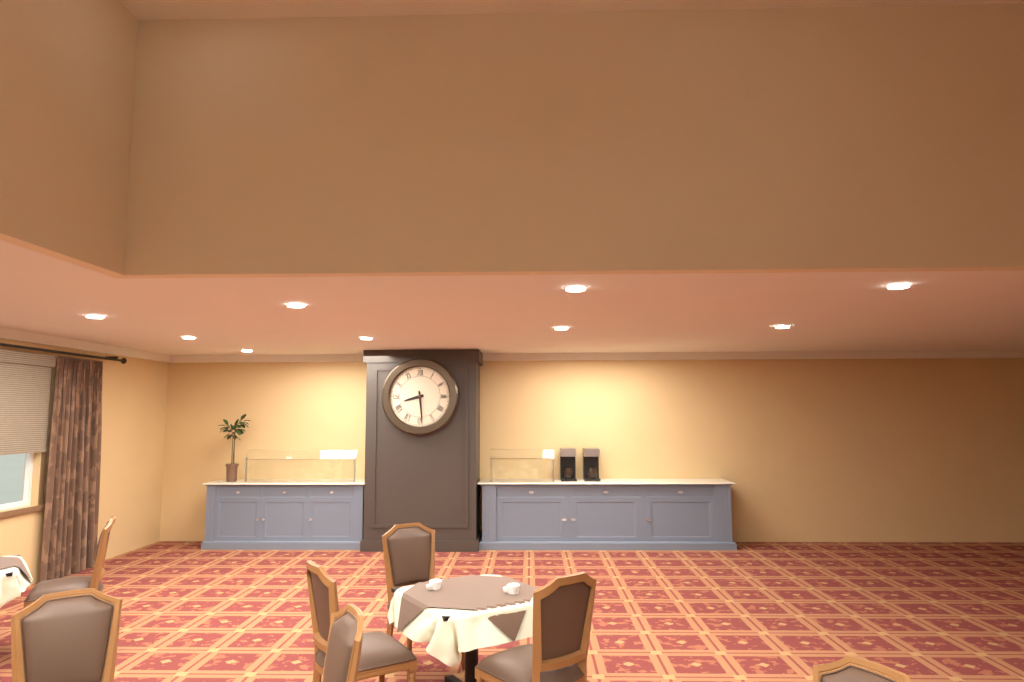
8.29
